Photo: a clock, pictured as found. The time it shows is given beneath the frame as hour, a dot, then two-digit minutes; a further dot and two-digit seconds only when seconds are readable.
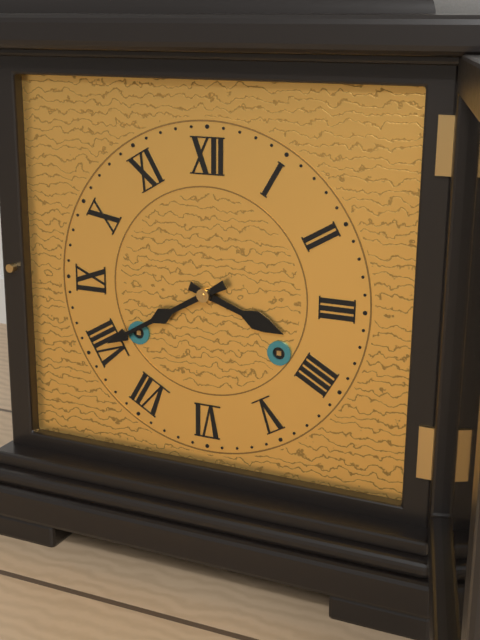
3.40
